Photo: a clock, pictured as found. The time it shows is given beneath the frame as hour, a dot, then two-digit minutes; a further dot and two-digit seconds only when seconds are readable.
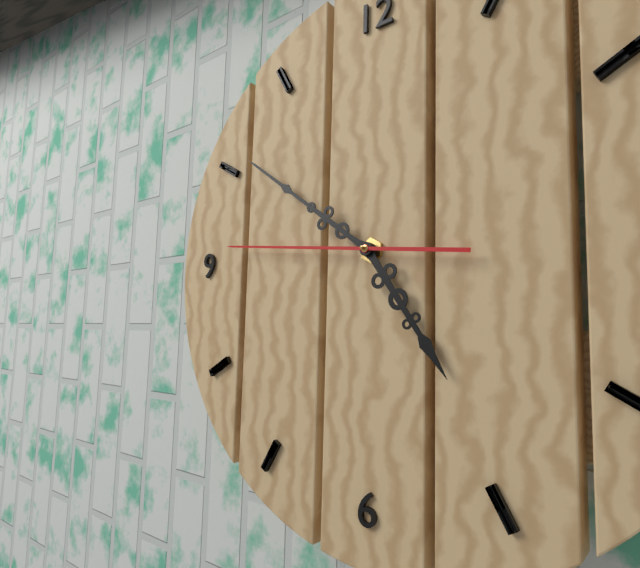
4.51.46
